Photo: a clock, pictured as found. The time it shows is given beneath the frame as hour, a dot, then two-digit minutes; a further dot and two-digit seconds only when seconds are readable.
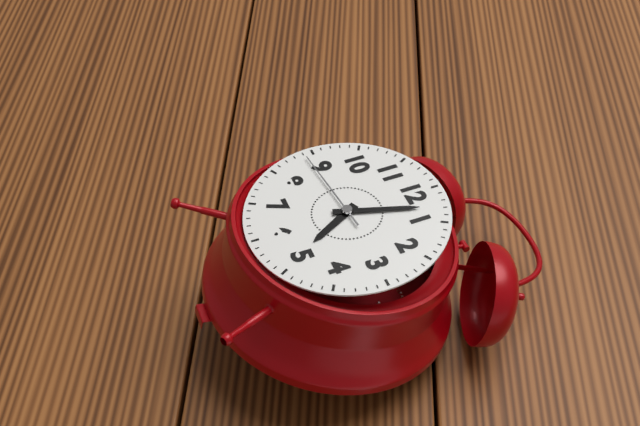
5.03.44
